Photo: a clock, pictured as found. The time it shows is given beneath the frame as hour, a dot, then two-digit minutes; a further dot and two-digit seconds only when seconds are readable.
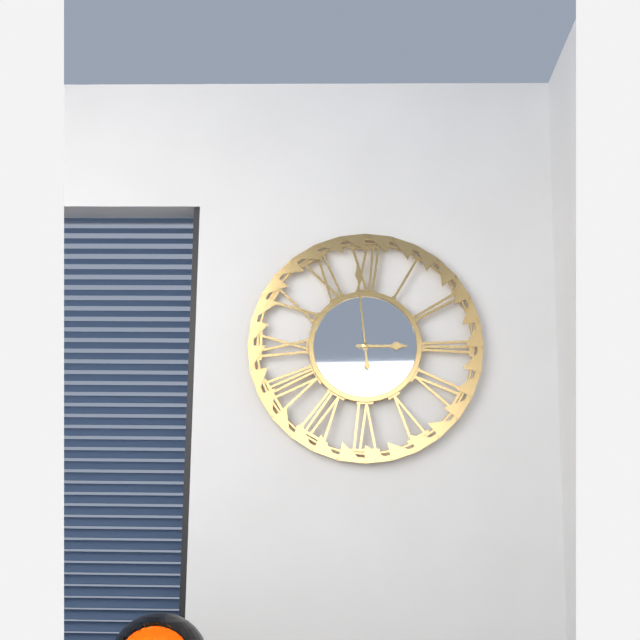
2.59
